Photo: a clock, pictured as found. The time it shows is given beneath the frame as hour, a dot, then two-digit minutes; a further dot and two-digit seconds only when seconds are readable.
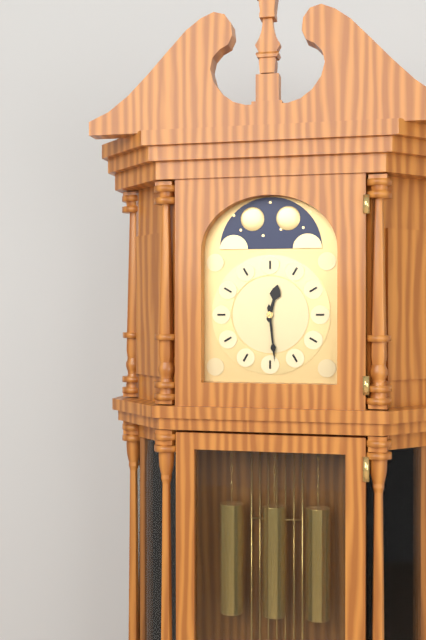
12.29
